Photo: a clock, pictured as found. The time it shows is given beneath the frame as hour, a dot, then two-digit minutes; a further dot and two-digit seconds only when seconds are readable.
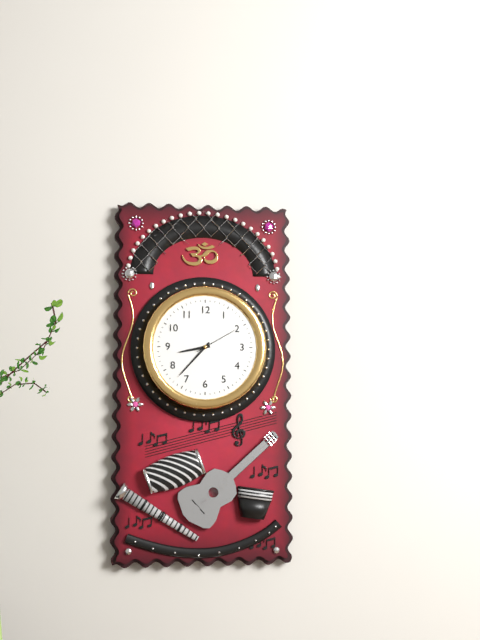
8.37
